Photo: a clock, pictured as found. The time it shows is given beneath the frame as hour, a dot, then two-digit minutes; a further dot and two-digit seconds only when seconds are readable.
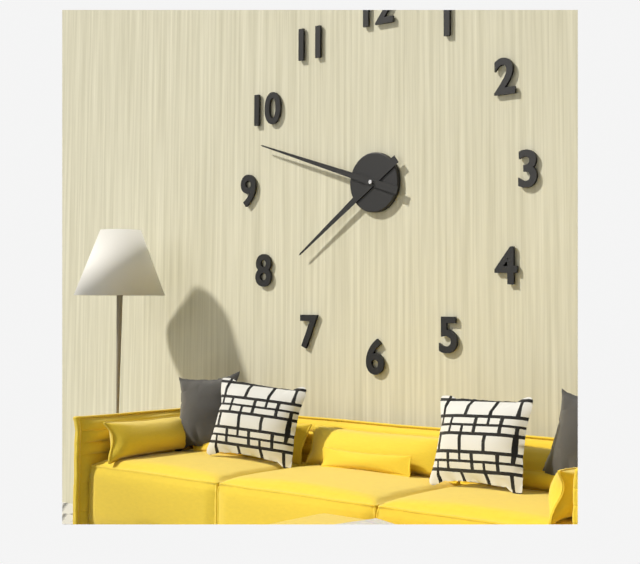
7.48
